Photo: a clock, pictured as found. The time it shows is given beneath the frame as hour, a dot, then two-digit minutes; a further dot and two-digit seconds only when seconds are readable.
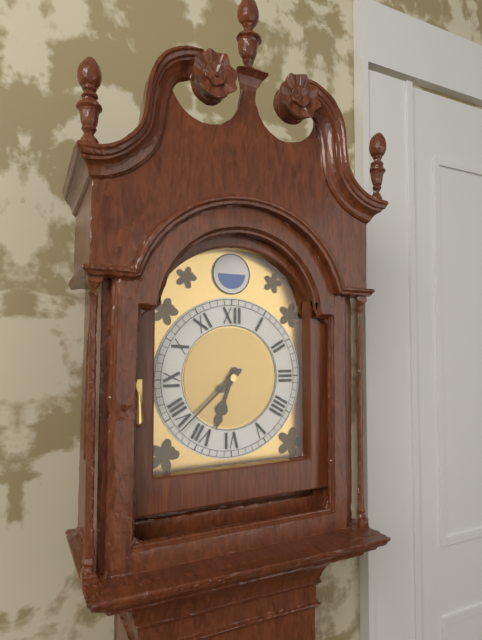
6.38
